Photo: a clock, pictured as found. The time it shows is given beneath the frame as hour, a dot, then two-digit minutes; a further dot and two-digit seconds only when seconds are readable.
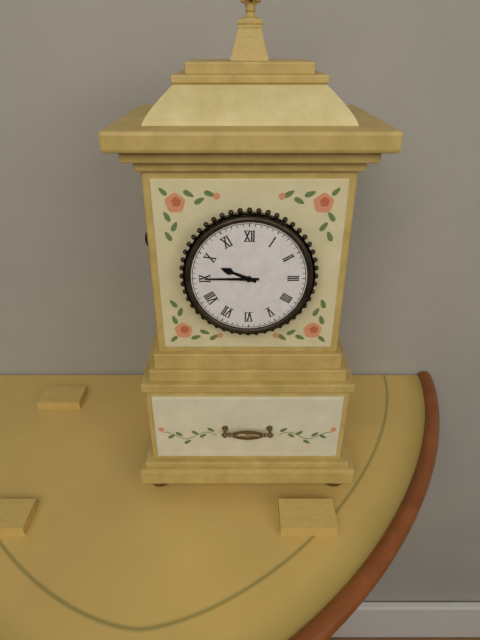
9.45
